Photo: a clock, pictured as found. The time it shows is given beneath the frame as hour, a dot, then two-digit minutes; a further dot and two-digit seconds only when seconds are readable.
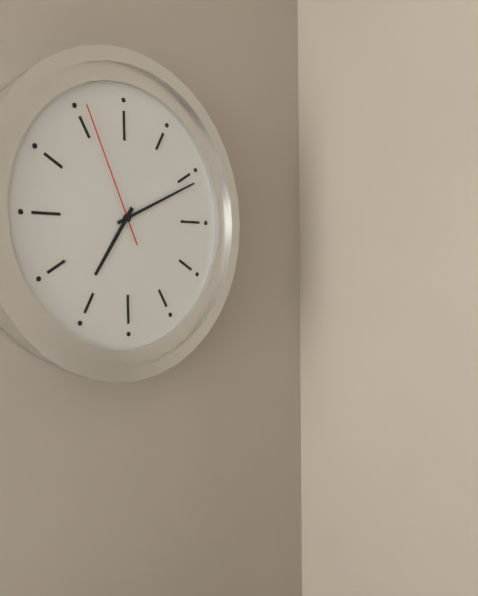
7.11.56
